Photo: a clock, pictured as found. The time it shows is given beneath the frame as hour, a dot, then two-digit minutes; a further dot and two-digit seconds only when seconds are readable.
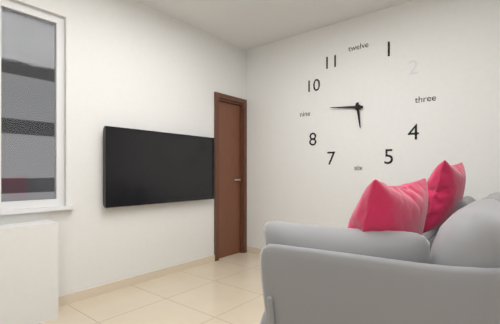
5.46
